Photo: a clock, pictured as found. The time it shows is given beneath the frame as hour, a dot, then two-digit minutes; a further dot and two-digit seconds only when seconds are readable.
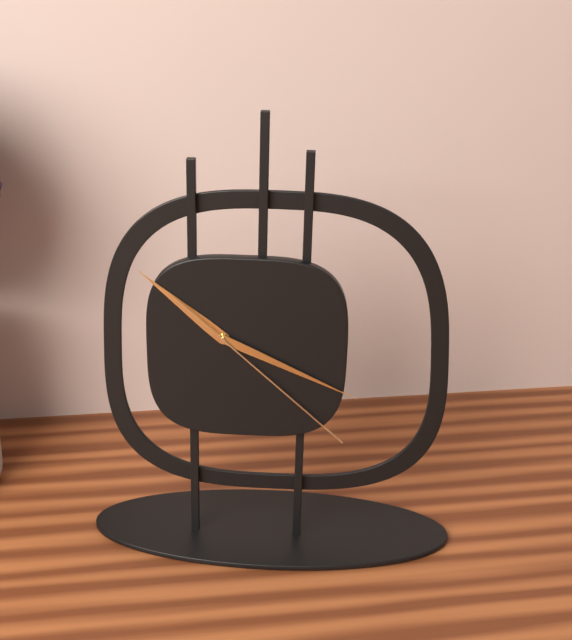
10.19.22
